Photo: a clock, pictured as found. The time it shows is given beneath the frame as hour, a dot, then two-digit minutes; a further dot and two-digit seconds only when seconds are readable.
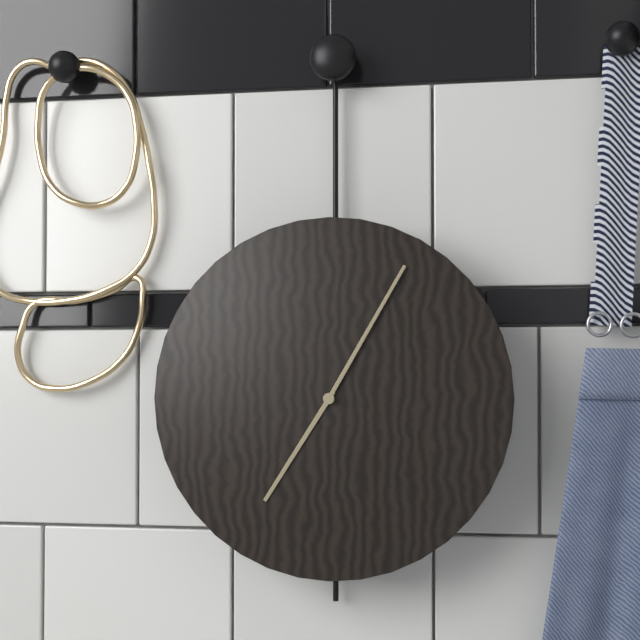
7.05
